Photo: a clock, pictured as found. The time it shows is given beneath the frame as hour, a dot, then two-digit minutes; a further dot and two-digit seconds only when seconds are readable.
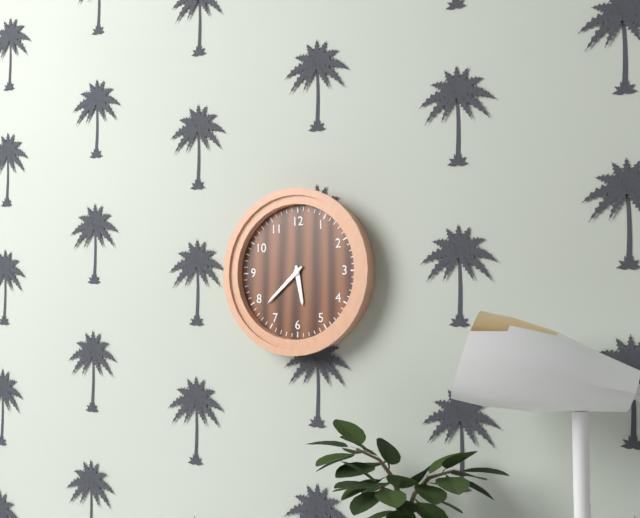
5.38
